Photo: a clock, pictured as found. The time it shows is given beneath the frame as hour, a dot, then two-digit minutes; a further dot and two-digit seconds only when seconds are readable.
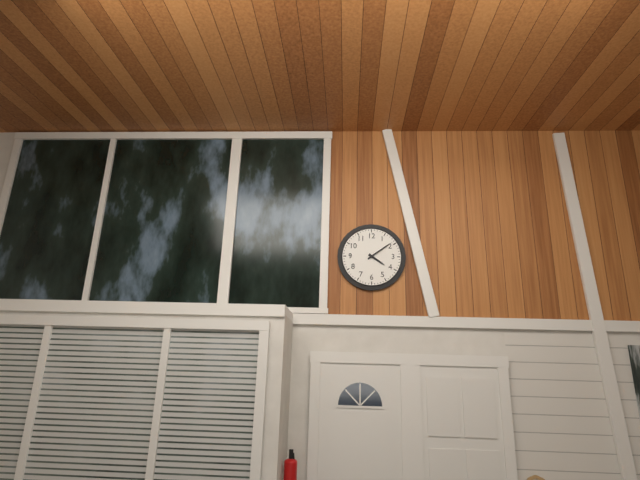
4.09
